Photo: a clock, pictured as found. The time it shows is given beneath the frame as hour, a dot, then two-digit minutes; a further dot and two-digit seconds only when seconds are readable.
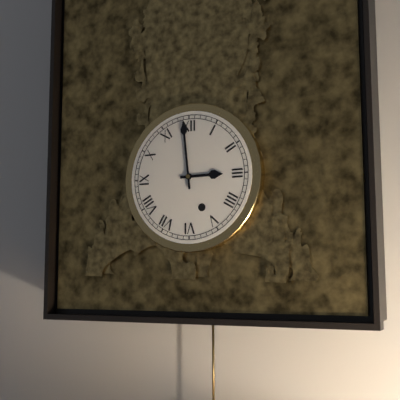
2.59
